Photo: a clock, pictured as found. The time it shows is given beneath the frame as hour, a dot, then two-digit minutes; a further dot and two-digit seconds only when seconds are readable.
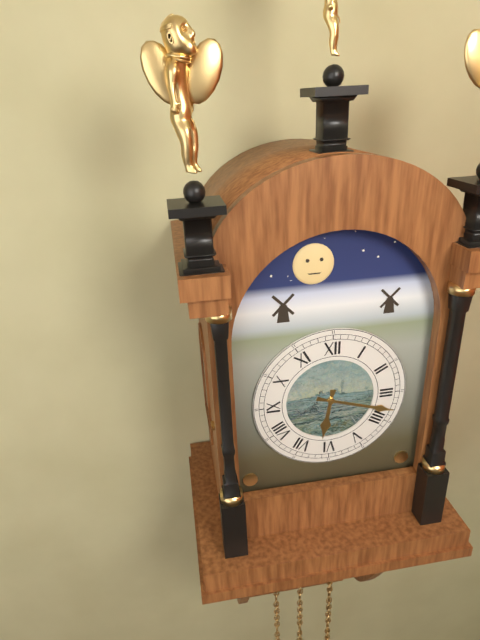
6.18
